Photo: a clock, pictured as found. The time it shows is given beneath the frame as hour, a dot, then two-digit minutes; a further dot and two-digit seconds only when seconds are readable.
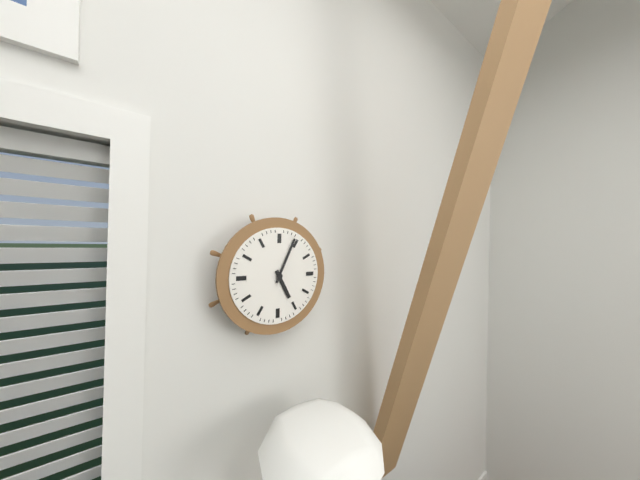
5.04
